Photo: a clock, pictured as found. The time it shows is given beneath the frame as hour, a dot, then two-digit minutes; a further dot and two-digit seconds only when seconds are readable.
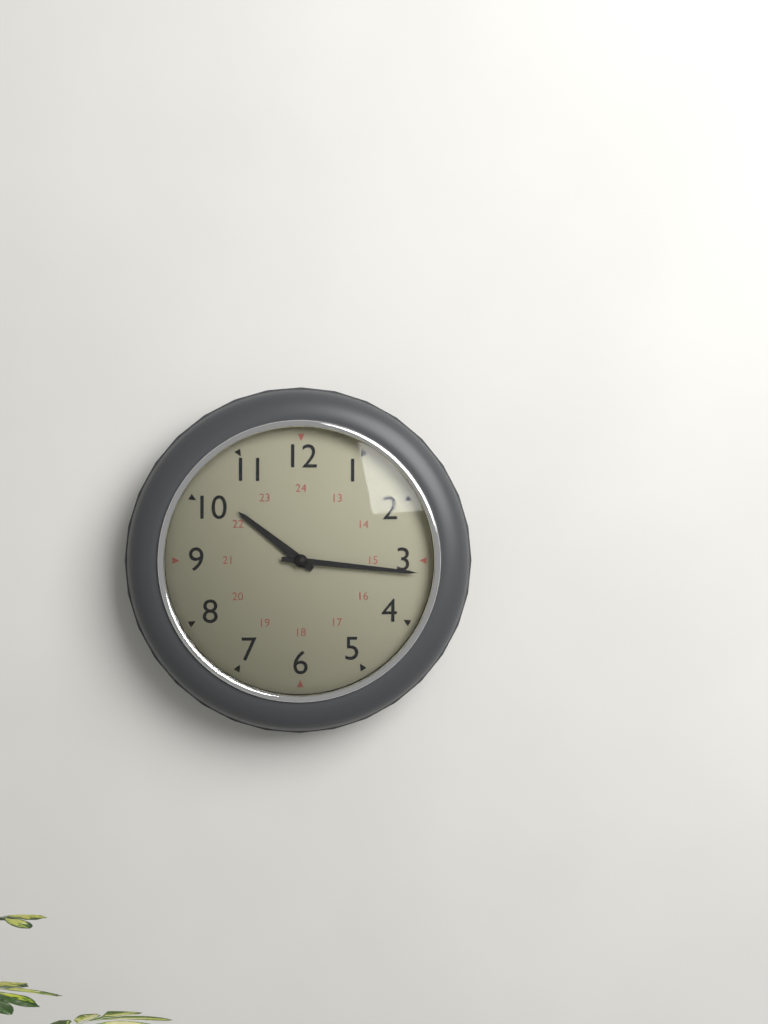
10.16
